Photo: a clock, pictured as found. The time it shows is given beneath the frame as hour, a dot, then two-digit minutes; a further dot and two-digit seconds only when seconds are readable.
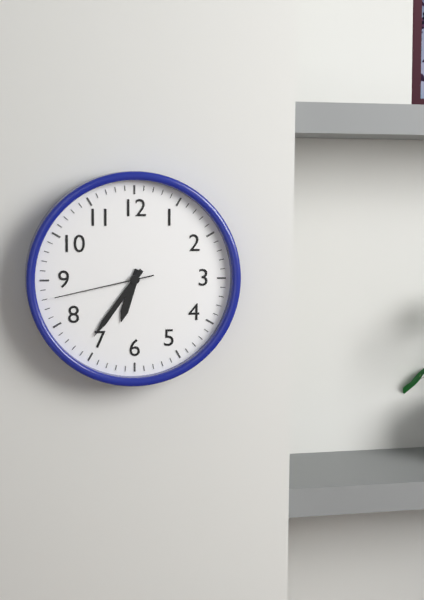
6.36.43
